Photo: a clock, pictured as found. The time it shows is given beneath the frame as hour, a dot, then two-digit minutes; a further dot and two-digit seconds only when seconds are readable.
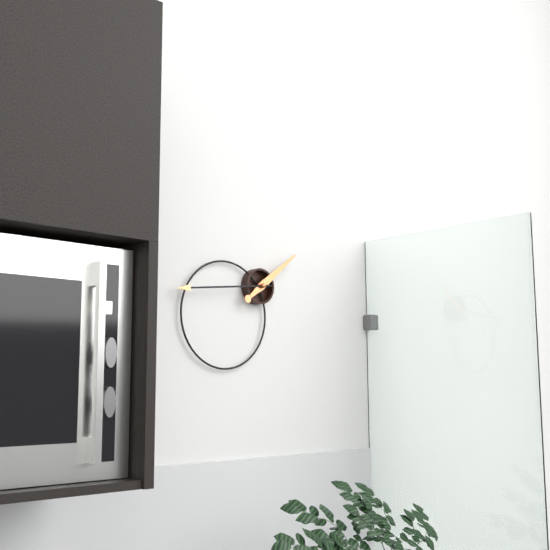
1.44
